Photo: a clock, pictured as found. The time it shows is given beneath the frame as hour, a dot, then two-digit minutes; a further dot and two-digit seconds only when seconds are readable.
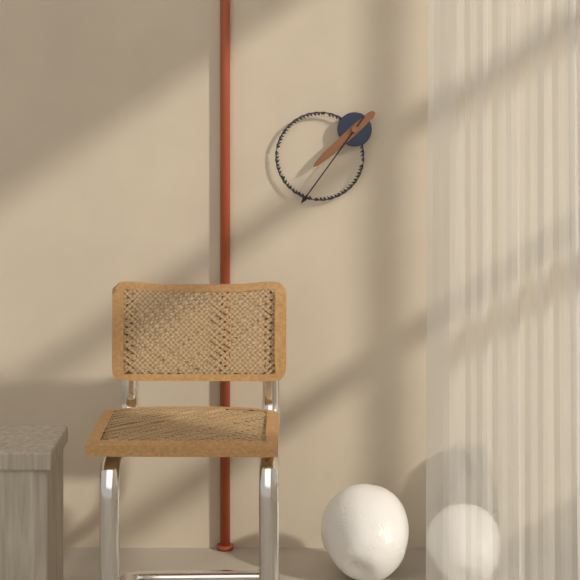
7.36
